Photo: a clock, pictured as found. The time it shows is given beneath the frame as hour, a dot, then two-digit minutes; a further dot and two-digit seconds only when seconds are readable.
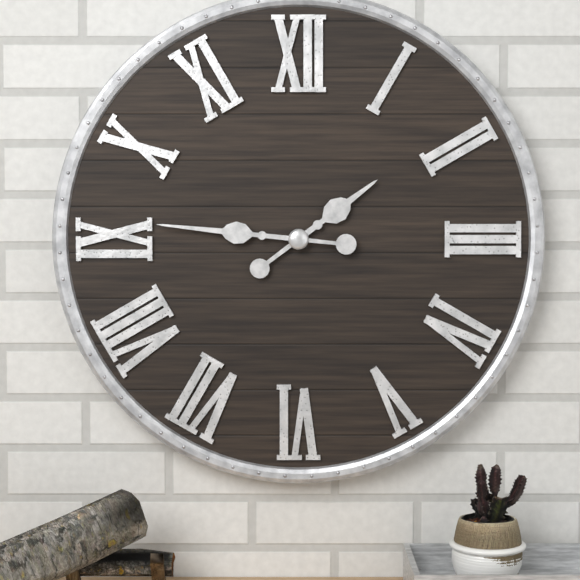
1.46
